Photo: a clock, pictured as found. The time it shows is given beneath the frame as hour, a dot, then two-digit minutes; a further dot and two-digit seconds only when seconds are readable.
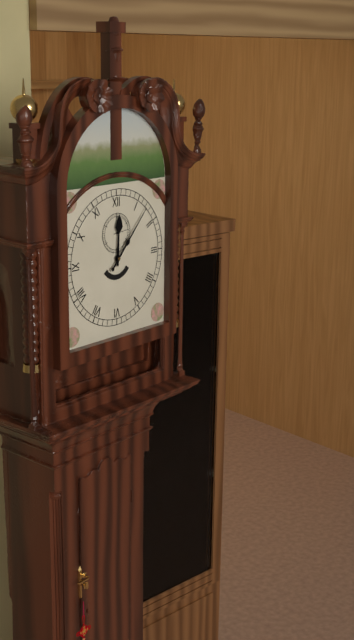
12.07
